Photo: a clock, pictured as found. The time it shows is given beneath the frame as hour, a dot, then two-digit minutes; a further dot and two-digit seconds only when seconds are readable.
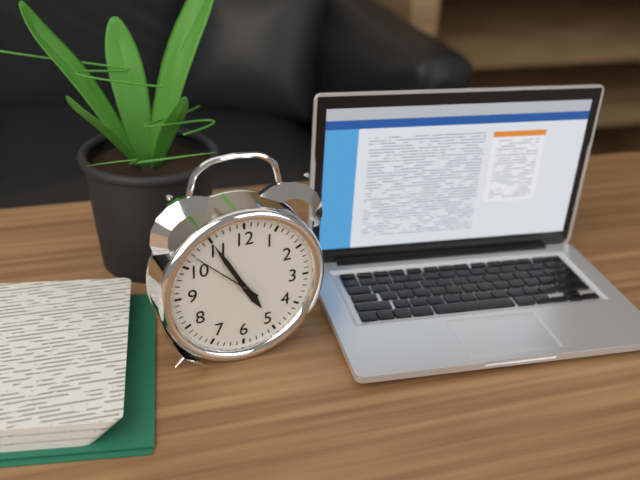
4.55.52
